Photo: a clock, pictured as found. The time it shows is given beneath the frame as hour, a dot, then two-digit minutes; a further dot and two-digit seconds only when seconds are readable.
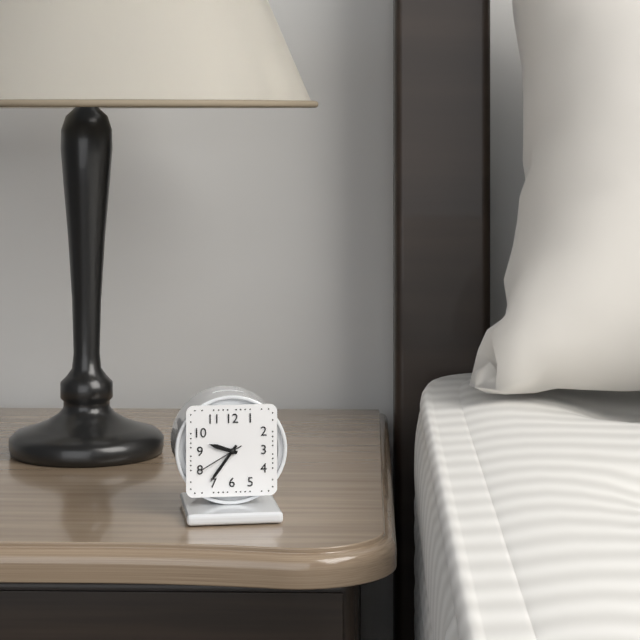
9.36
